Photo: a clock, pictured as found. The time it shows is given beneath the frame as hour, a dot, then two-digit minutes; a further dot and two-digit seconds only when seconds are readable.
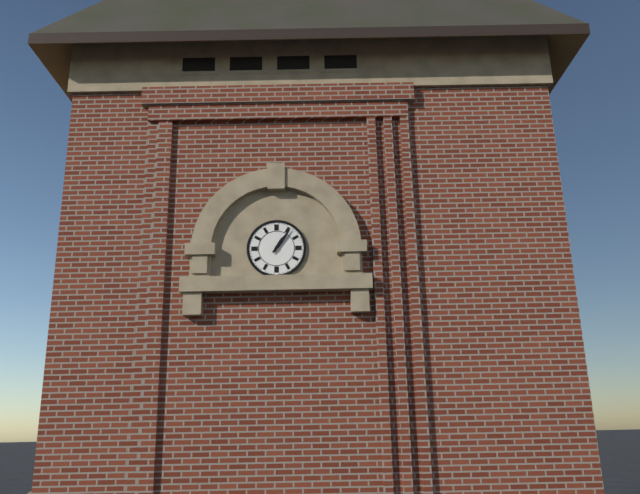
1.06
